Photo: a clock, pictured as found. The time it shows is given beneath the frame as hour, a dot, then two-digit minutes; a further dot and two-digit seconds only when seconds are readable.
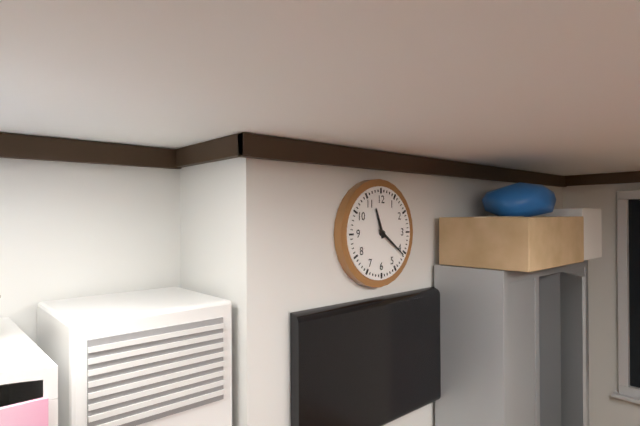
11.21
